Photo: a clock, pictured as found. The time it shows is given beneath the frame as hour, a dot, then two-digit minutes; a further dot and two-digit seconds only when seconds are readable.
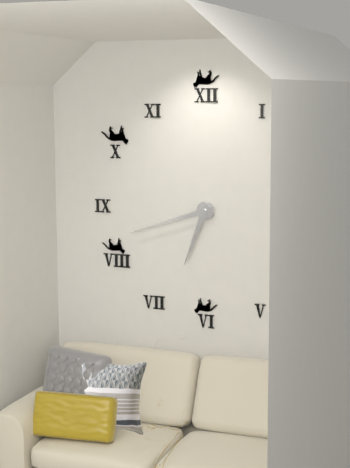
6.42
